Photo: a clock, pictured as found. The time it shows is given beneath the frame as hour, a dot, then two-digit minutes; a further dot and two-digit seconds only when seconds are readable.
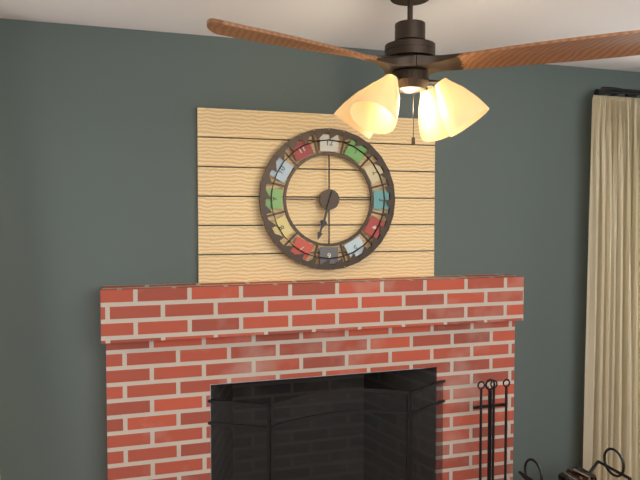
6.33
